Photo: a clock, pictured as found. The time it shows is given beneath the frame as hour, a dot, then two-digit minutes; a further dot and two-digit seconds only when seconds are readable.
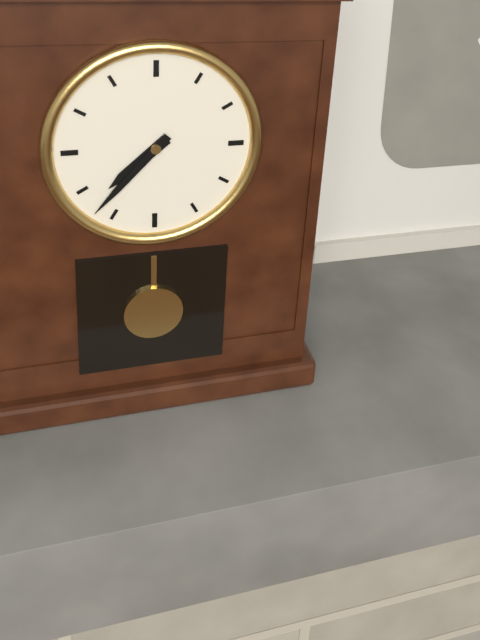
7.37
